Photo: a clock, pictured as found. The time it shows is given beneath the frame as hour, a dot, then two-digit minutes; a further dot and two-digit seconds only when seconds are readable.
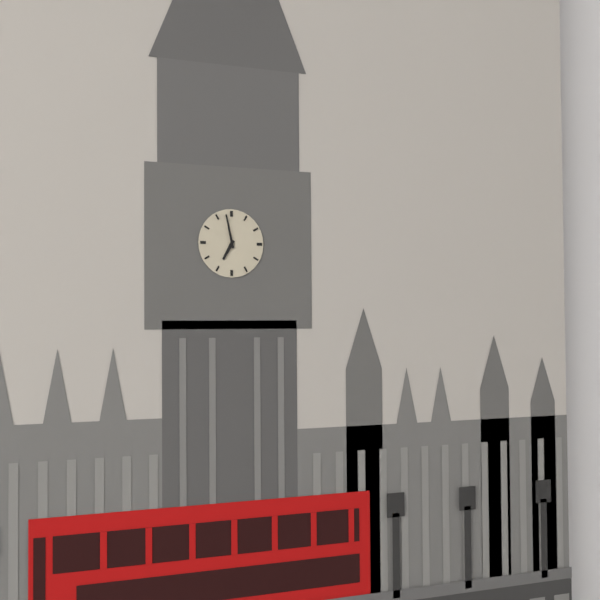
6.58
